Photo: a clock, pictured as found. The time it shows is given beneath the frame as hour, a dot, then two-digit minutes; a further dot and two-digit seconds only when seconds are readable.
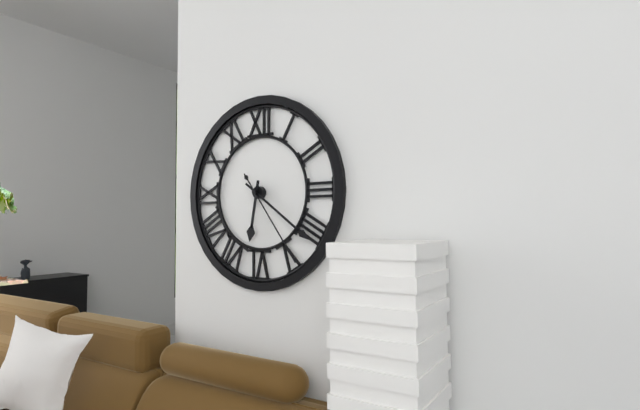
6.21.24
